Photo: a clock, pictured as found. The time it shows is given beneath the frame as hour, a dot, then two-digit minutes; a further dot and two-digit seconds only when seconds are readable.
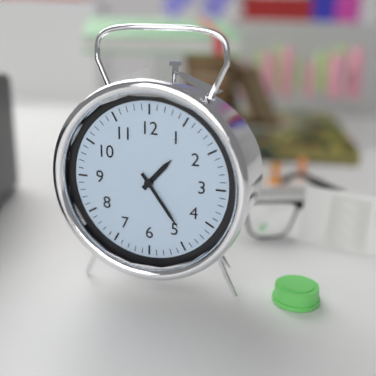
1.24
